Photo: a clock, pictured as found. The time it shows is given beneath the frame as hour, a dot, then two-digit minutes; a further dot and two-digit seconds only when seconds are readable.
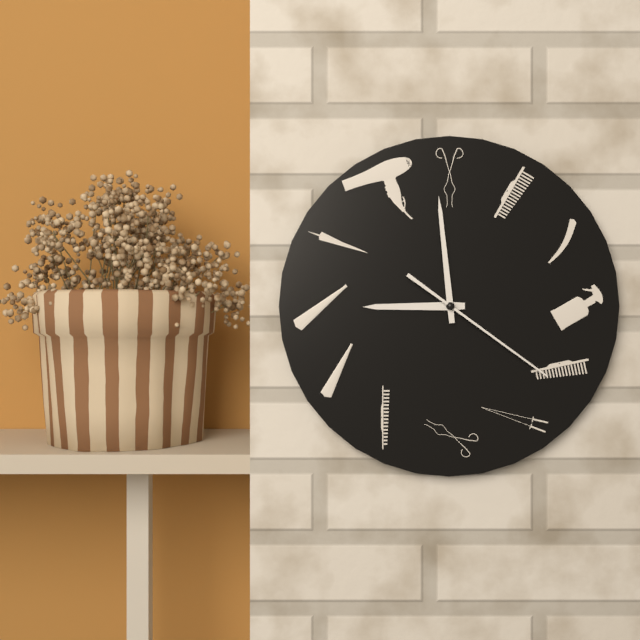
8.59.21
